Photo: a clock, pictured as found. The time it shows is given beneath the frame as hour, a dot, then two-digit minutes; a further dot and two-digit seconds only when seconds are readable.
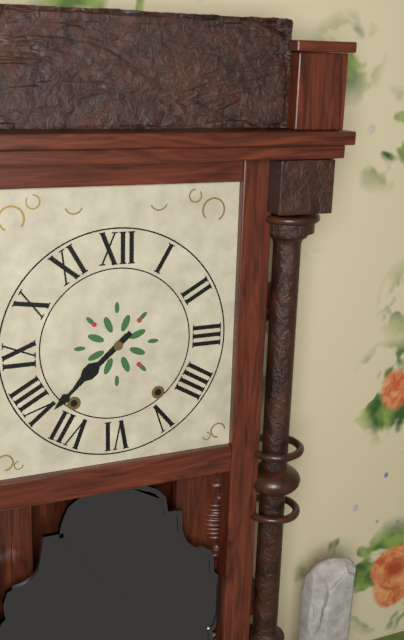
7.38
